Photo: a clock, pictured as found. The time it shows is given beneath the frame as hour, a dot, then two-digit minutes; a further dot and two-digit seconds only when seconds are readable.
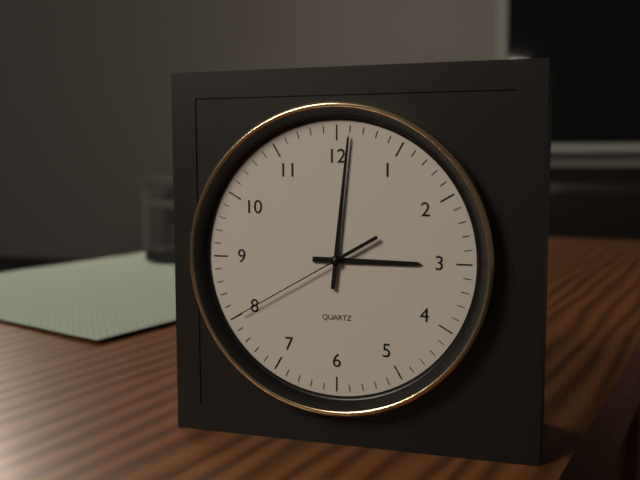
3.01.40
